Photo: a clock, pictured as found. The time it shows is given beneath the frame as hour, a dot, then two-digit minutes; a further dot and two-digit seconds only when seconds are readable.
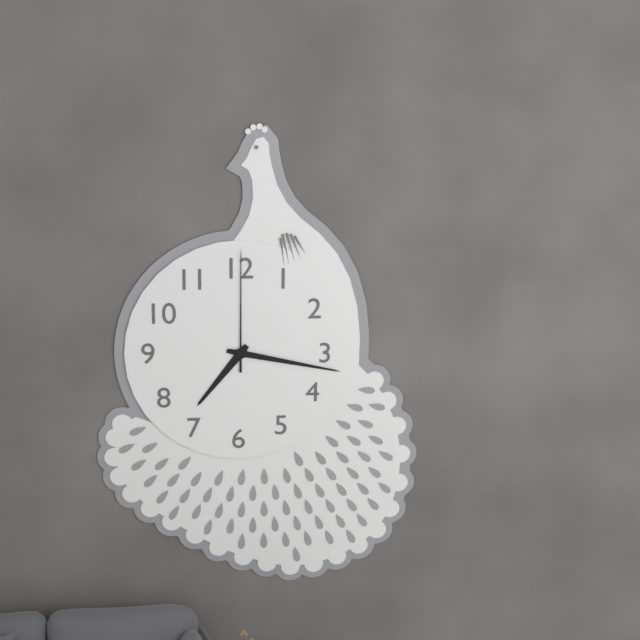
7.17.00
